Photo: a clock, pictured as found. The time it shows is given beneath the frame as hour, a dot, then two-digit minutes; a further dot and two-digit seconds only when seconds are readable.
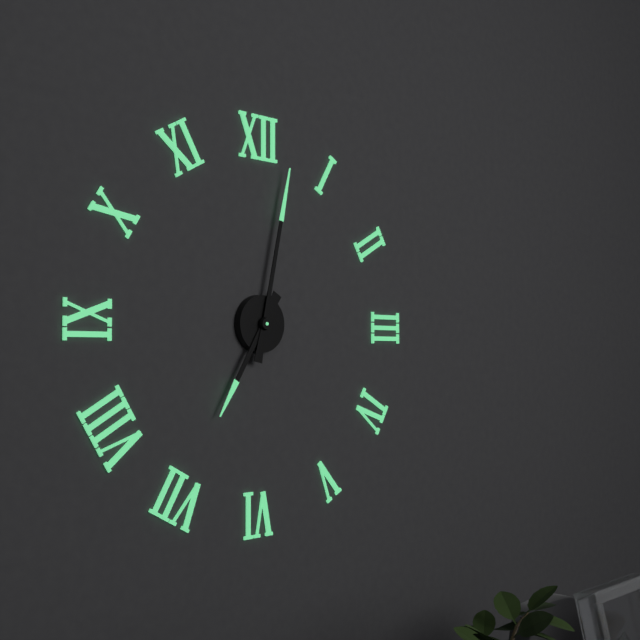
7.02
